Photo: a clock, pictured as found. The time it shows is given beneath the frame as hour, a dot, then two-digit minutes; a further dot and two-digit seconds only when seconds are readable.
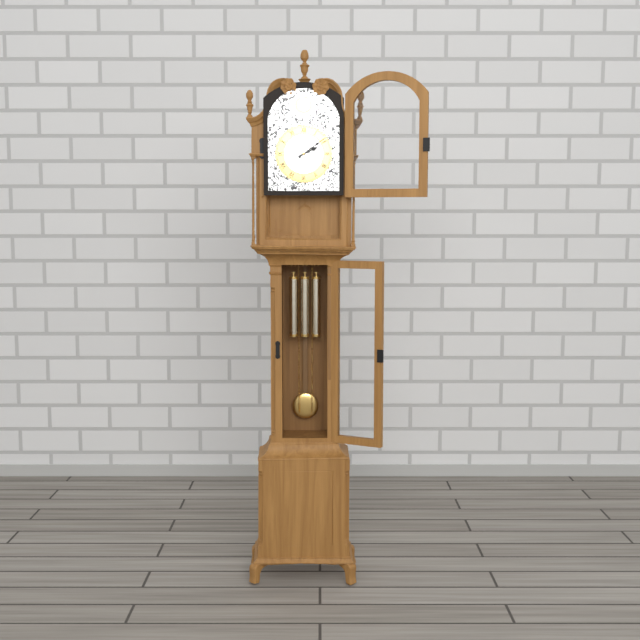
2.09
